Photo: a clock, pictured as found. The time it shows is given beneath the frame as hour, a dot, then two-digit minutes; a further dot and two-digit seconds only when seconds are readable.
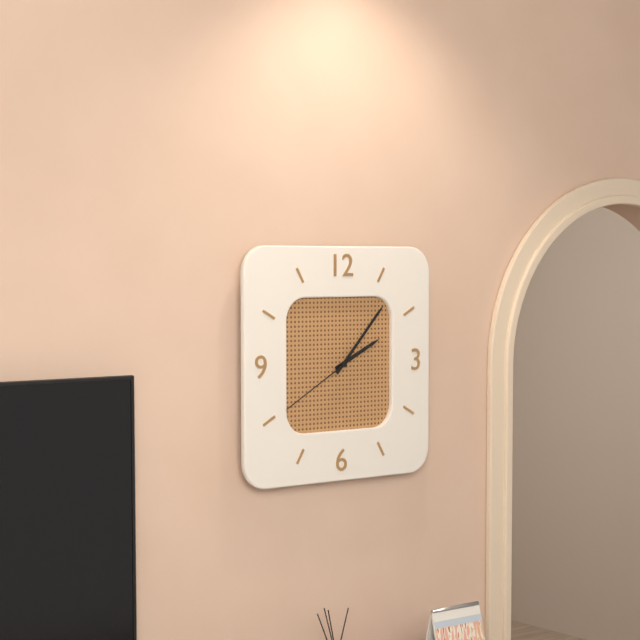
2.07.40
